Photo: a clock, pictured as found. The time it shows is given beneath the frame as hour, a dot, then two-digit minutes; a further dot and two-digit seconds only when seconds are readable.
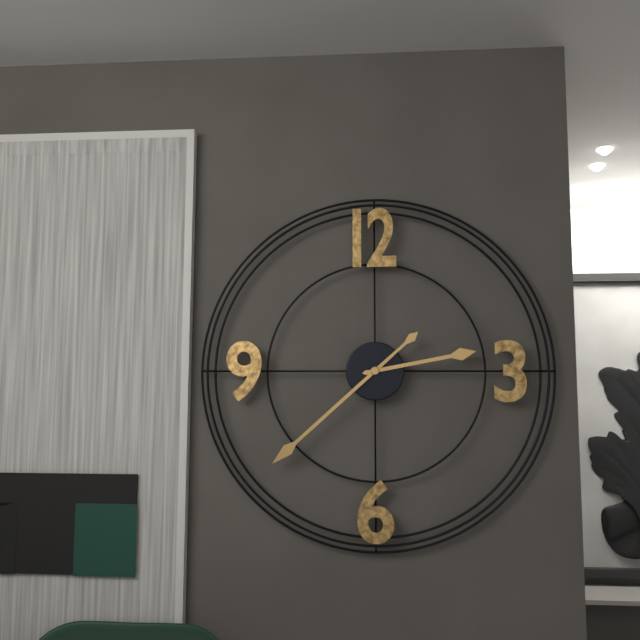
2.38
